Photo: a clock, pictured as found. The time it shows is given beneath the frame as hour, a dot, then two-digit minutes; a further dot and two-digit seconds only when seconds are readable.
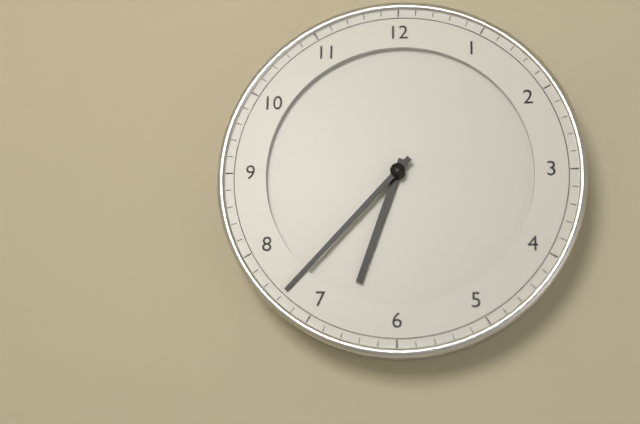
6.37
